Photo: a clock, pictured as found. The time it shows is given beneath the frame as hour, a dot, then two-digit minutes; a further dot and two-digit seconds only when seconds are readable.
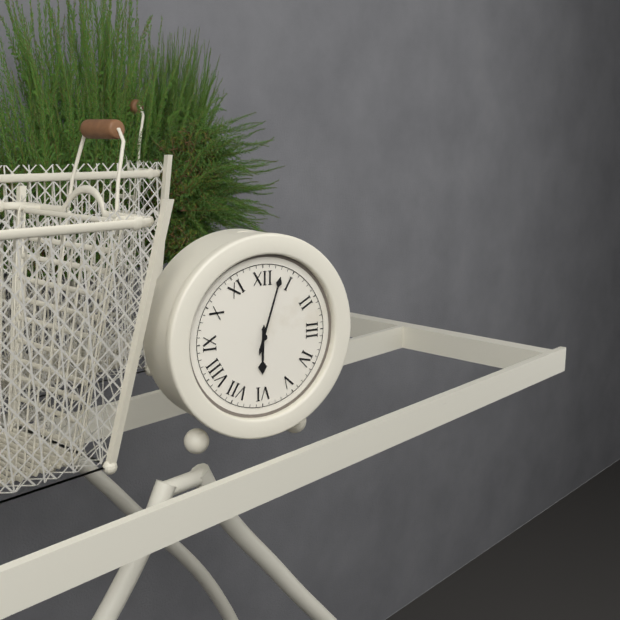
6.03
